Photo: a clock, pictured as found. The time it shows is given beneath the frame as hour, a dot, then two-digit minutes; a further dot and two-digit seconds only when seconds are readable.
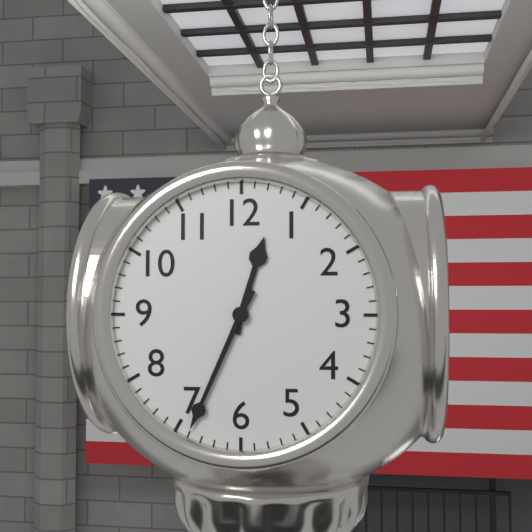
12.34
